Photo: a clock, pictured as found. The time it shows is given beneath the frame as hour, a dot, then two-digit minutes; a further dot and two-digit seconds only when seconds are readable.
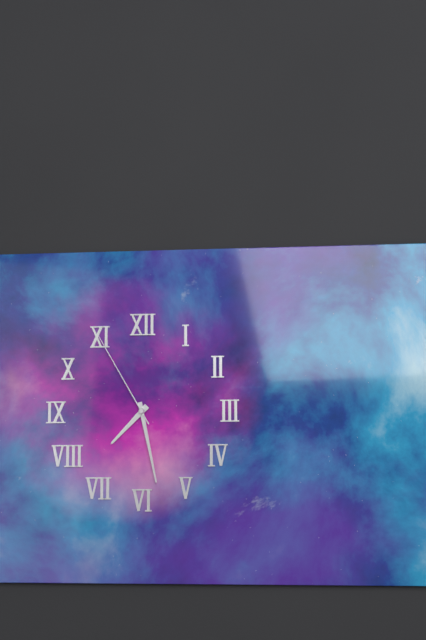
7.28.55
